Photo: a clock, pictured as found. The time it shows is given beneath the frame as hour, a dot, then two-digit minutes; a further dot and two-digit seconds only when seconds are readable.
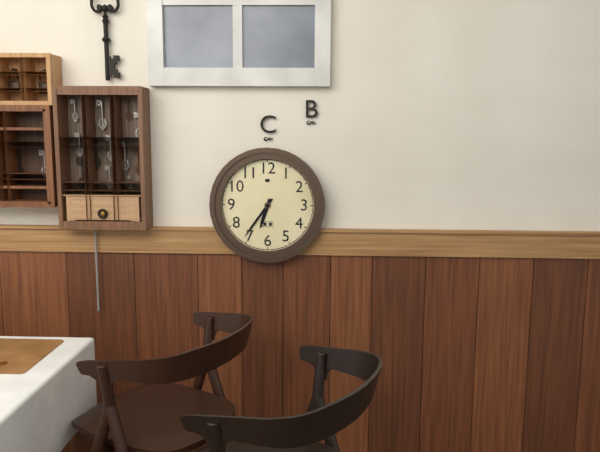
6.36
